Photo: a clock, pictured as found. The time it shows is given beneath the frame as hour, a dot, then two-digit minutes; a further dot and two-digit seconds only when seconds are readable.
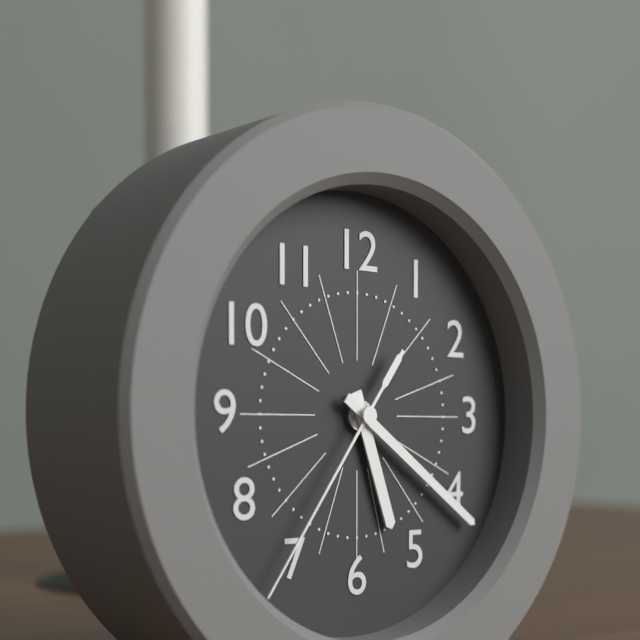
5.21.36
